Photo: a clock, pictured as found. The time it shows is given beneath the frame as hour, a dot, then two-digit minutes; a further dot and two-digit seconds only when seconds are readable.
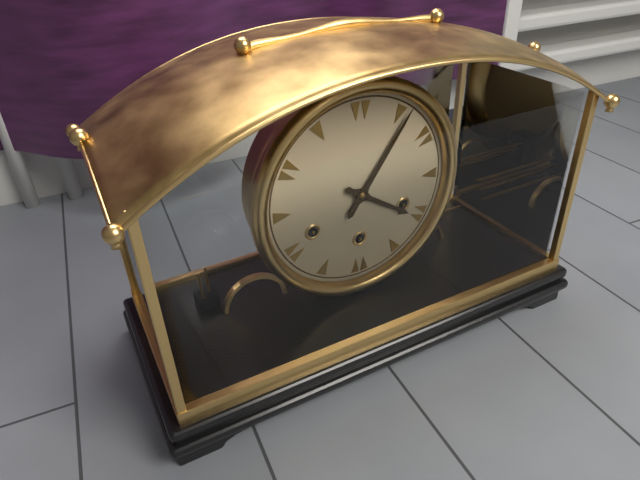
4.06
